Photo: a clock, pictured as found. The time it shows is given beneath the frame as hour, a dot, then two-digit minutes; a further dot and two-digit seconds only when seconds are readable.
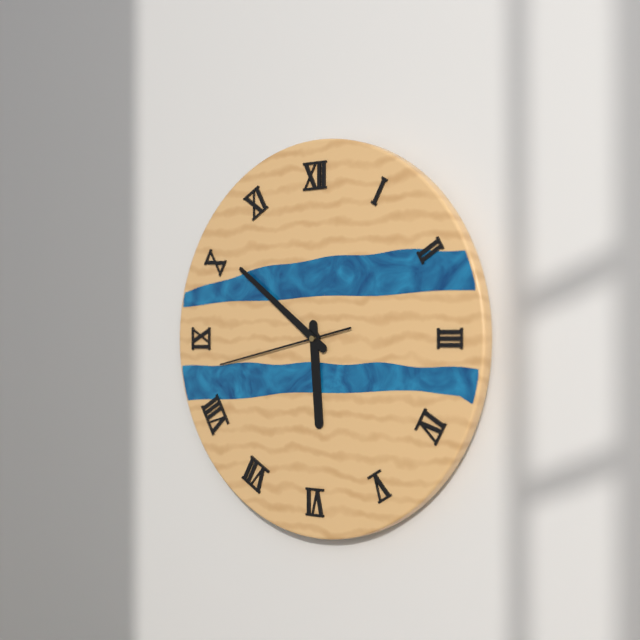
5.51.43
